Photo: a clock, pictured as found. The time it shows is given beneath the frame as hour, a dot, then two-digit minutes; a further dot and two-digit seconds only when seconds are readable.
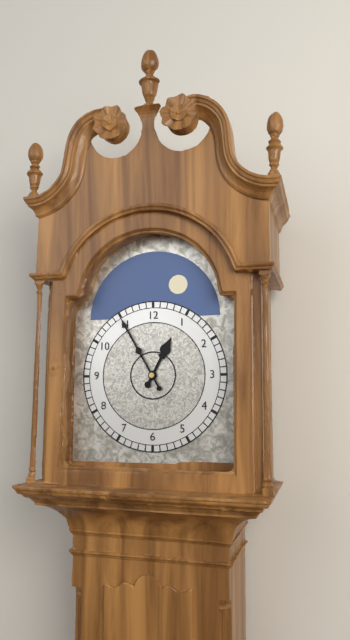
12.55
